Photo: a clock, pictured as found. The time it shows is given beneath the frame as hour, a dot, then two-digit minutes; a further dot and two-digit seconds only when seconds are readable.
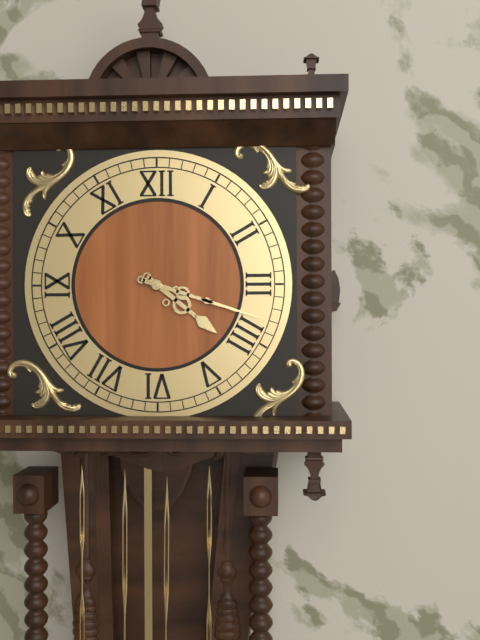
4.18
